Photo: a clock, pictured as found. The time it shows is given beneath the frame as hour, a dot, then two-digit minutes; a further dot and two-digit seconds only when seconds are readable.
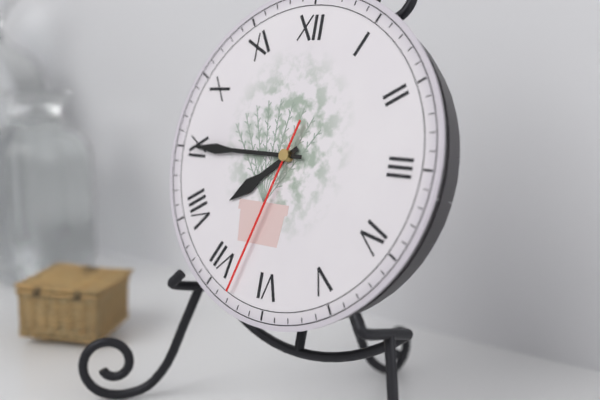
7.45.33
